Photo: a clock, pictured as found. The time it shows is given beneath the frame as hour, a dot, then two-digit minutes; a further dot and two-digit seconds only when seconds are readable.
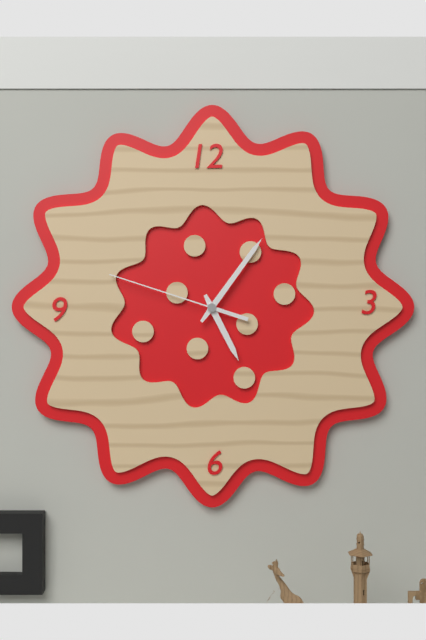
5.06.48
